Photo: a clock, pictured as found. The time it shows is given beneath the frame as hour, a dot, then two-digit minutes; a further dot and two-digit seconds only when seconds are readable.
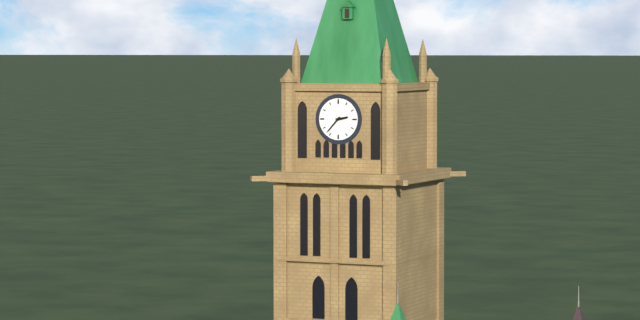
2.37
